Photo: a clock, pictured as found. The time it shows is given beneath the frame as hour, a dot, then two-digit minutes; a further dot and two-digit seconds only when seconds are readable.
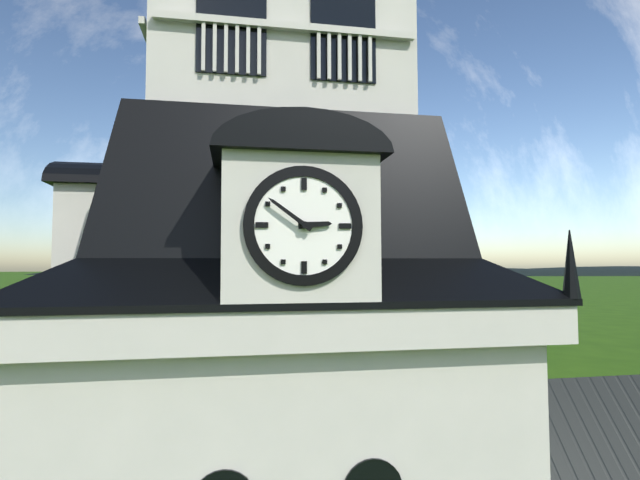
2.51
